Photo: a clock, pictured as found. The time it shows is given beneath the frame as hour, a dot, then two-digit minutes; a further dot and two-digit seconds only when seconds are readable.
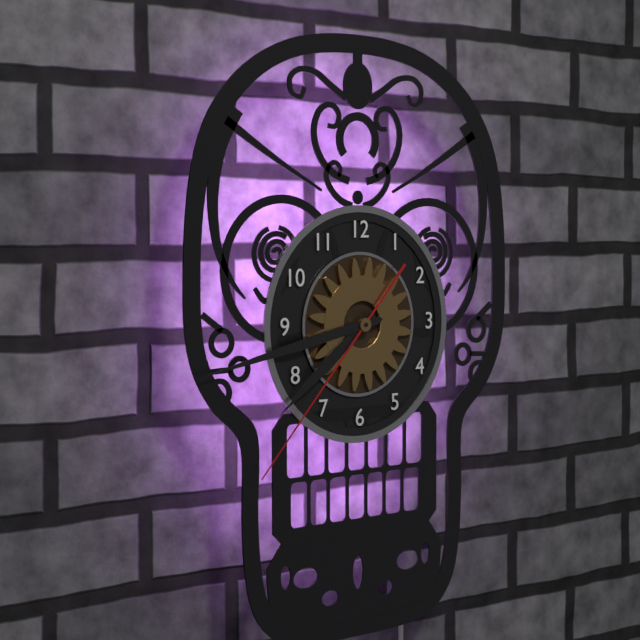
7.43.37
